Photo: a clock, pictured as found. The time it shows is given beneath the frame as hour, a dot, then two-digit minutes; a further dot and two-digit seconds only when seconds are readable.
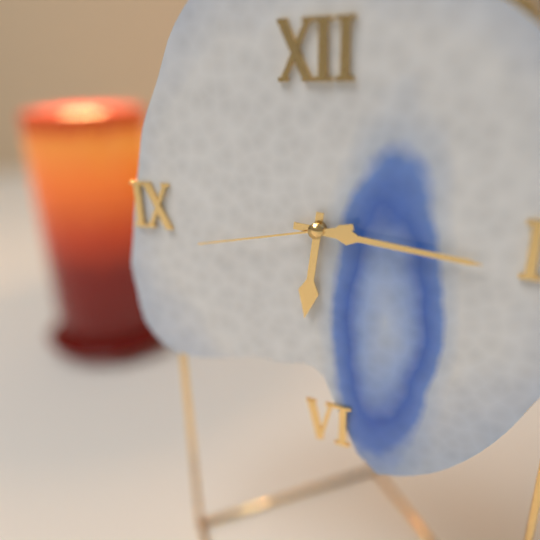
6.16.43
